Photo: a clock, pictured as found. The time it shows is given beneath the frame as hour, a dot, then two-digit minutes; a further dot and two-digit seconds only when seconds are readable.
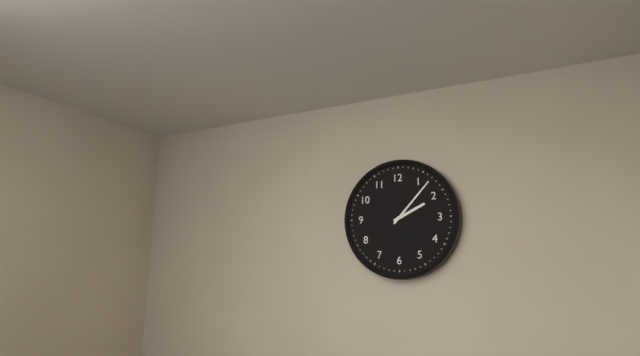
2.07
